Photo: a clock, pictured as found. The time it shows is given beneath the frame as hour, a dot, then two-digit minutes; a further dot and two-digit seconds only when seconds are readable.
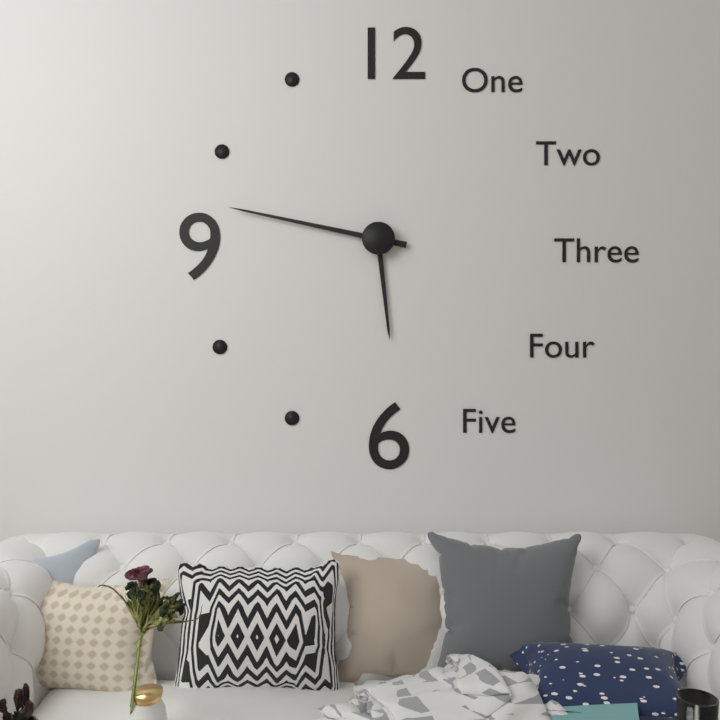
5.47
